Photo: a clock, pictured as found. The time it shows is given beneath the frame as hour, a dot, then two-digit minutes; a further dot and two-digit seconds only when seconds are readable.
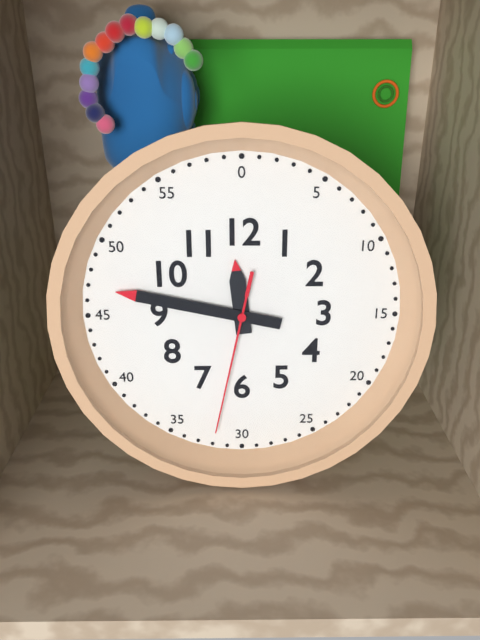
11.47.32
